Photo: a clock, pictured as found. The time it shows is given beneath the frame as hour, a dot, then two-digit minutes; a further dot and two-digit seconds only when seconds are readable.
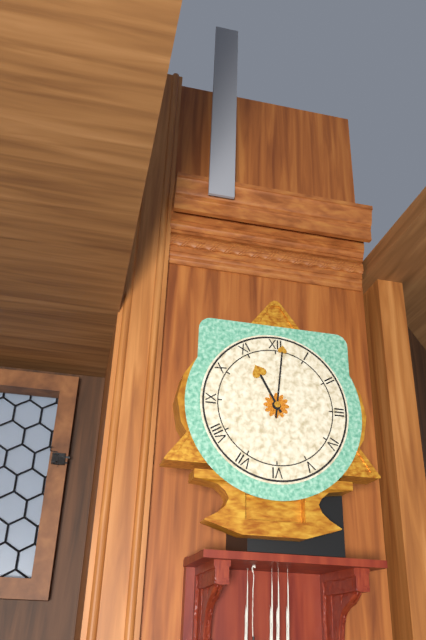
11.01
